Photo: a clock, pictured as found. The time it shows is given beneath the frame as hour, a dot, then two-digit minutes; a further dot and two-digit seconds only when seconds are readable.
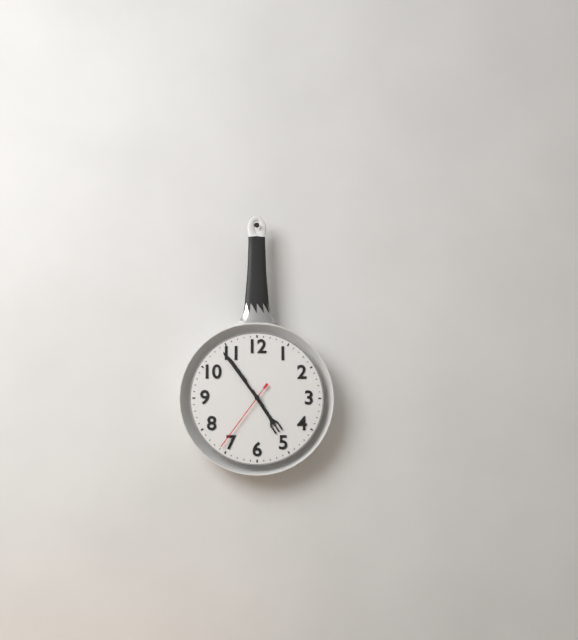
4.54.36
